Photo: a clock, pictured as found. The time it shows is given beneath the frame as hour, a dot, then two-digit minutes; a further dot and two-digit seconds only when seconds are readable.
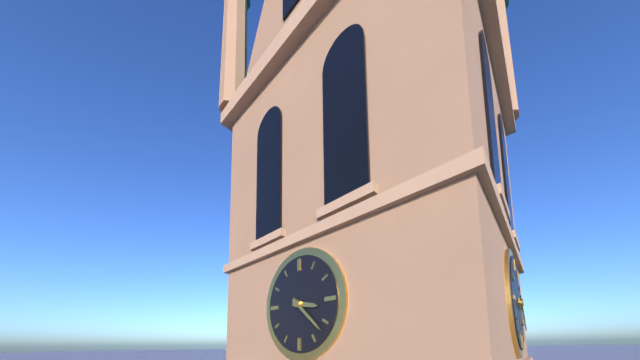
3.22
